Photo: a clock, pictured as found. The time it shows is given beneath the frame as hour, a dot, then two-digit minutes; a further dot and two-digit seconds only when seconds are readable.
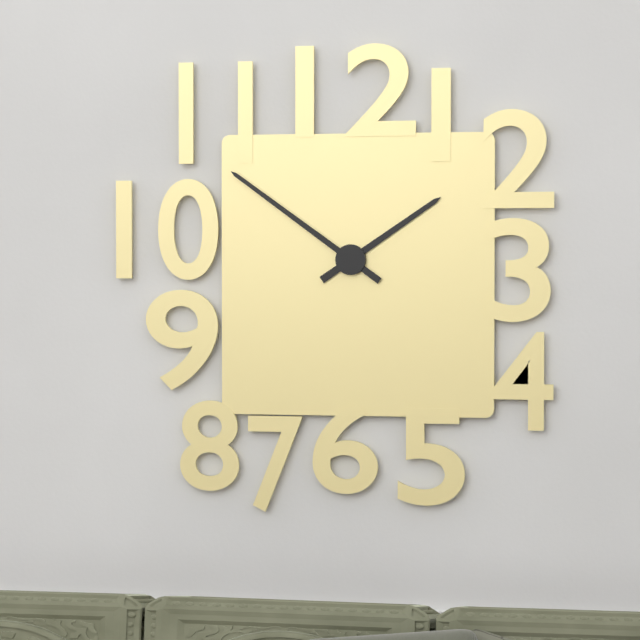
1.51
